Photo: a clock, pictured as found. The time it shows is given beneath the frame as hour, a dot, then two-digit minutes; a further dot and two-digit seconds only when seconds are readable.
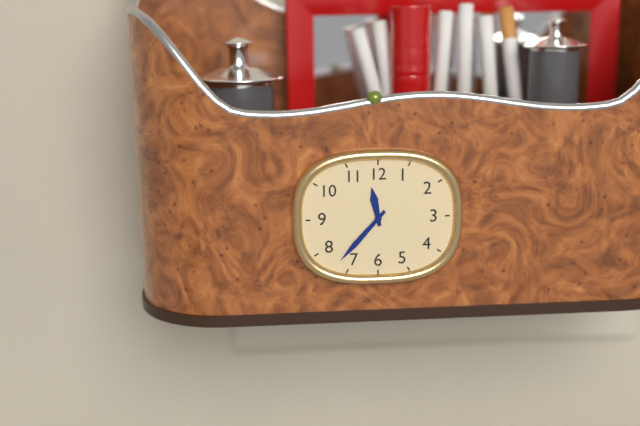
11.37
